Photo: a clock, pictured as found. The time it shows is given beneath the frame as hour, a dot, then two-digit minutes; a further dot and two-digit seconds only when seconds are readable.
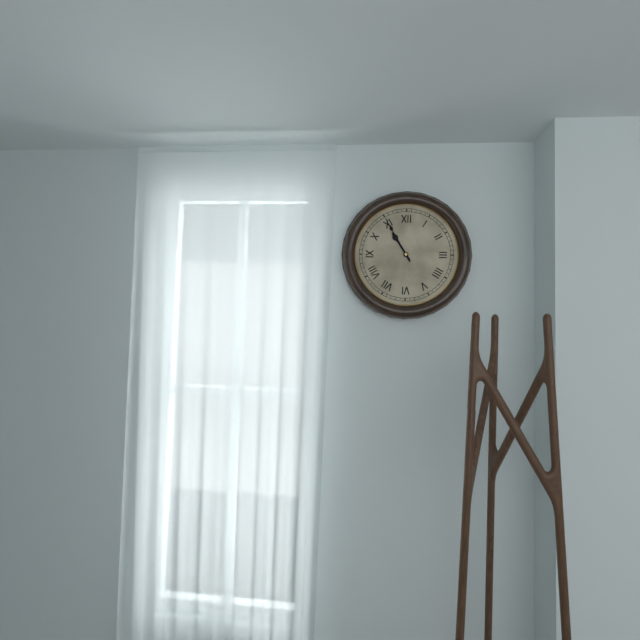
10.55
